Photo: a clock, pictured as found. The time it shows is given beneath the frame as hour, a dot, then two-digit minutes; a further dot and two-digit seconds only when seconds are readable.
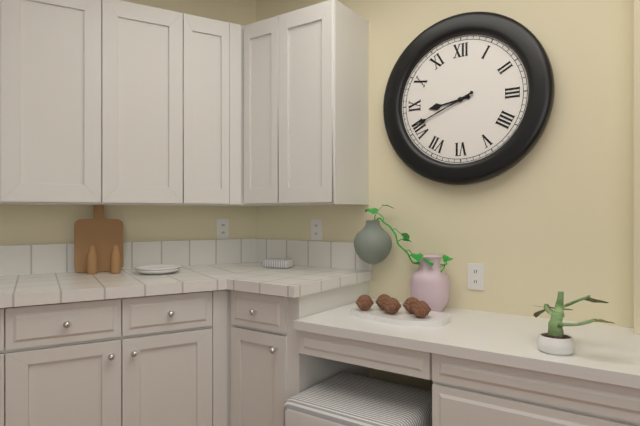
8.41
